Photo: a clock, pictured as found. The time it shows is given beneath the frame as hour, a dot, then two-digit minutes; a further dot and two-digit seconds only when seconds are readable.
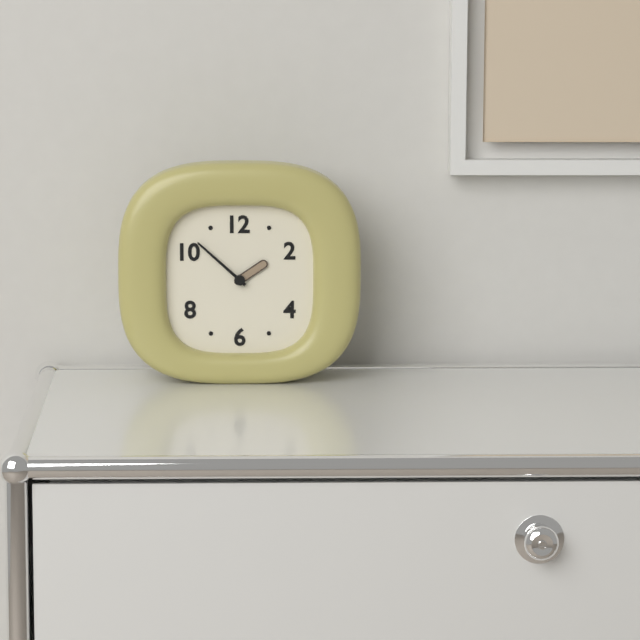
1.52
